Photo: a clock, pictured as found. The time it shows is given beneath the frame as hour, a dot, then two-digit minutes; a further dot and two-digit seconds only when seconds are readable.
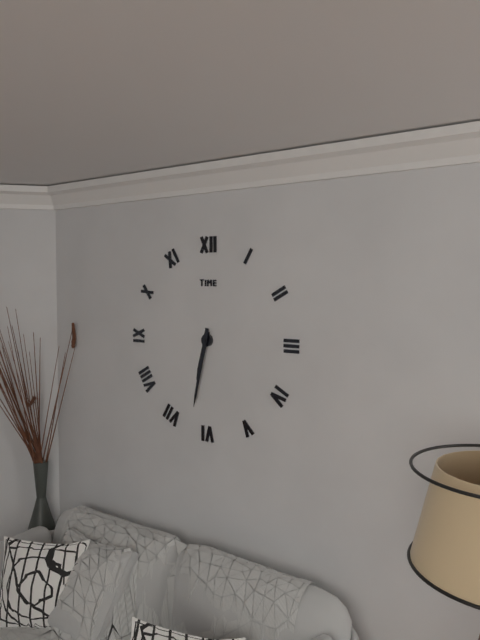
6.32
